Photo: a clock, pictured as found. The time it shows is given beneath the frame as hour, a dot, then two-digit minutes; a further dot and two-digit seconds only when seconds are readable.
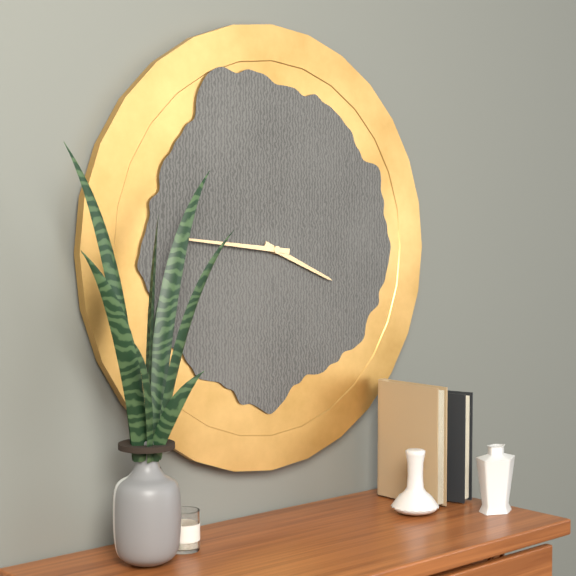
3.46
